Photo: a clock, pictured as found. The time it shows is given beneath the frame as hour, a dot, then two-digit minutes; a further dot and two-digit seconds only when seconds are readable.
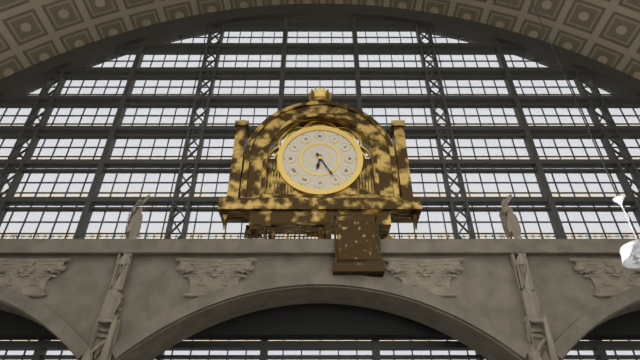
6.25
